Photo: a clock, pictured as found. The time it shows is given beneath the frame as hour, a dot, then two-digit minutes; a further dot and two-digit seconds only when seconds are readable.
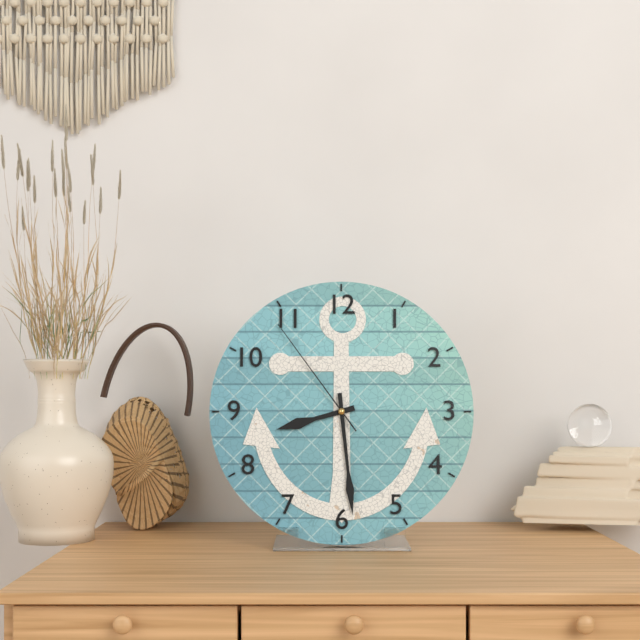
8.29.54
